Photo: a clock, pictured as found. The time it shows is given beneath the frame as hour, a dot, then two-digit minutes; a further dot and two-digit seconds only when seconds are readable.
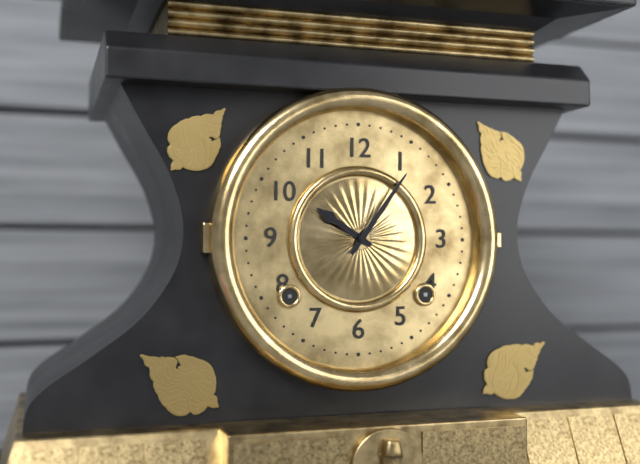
10.06
